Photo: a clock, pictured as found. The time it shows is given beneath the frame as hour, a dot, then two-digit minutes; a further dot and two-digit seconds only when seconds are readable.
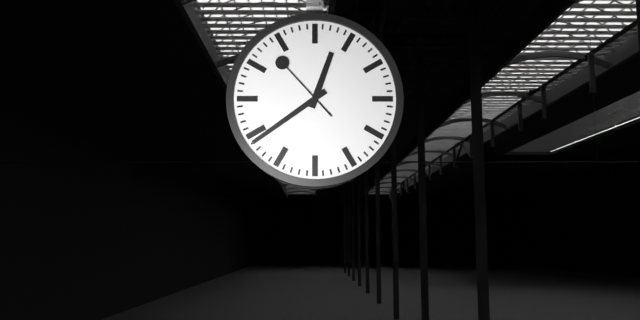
12.39.53
